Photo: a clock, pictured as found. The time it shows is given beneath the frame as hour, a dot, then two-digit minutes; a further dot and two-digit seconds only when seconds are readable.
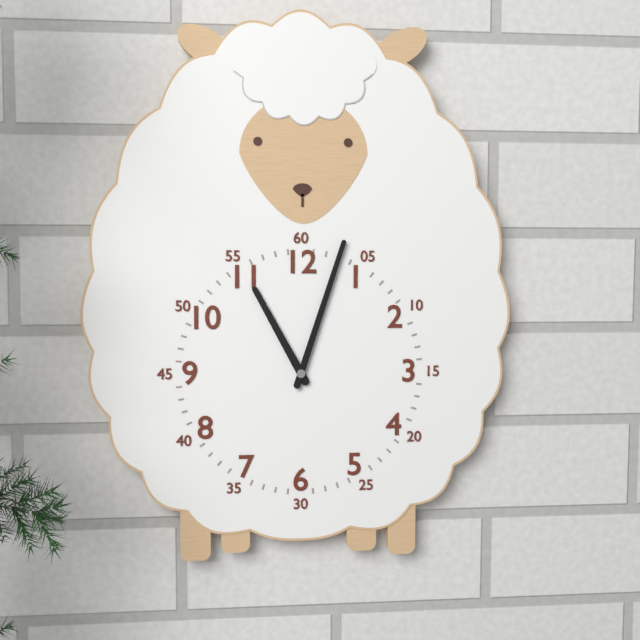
11.03
